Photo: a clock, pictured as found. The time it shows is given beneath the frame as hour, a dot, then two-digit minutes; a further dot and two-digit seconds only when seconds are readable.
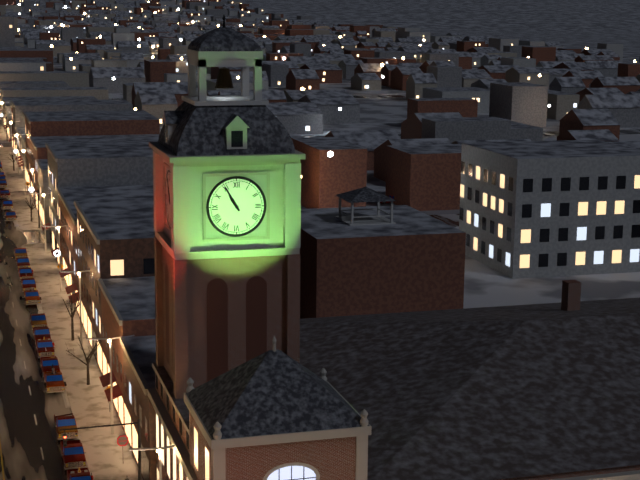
10.55
